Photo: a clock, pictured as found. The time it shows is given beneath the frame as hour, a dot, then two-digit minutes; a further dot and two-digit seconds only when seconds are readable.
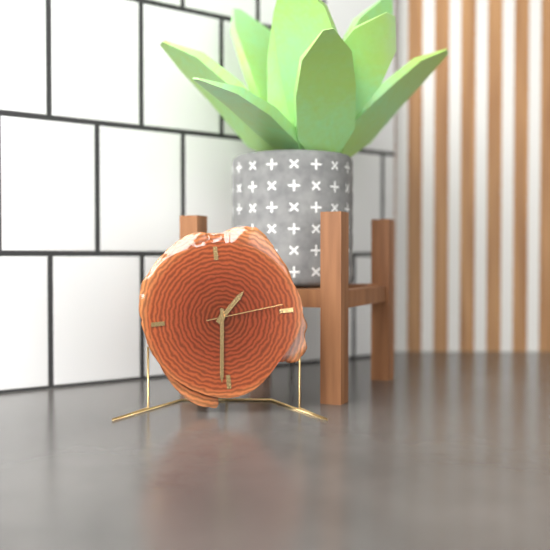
1.31.14
